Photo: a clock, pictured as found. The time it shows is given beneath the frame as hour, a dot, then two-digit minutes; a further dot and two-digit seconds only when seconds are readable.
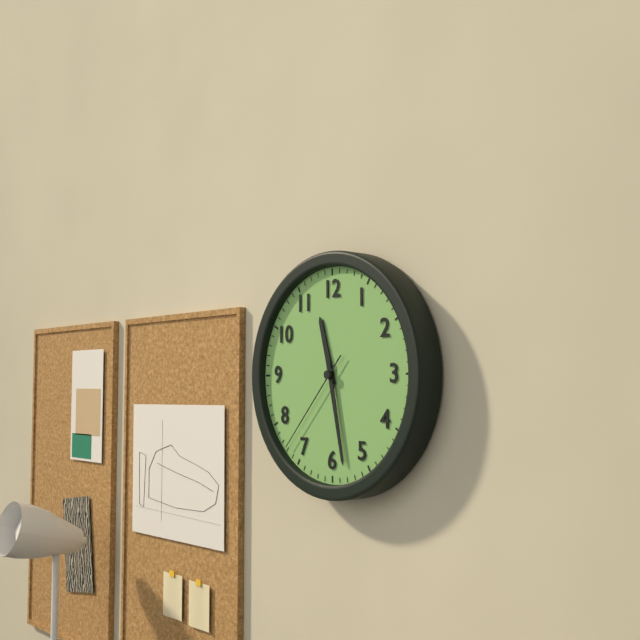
11.28.37
